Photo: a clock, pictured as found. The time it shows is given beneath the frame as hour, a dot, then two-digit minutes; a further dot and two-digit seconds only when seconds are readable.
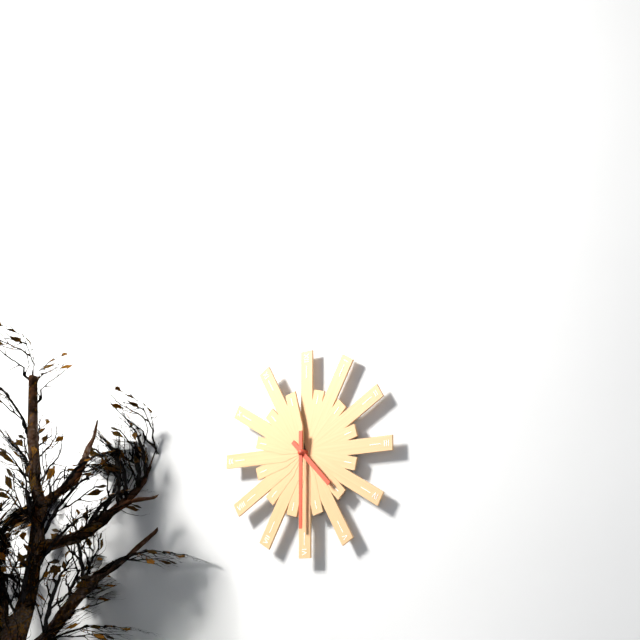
4.30
